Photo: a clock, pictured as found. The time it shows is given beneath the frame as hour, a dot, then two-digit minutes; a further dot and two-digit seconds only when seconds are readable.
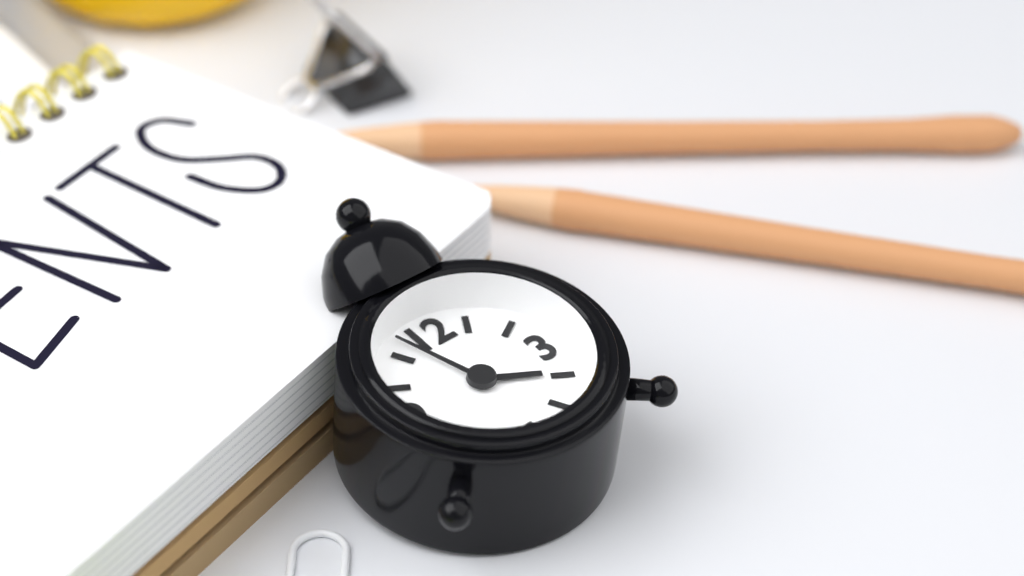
3.57
